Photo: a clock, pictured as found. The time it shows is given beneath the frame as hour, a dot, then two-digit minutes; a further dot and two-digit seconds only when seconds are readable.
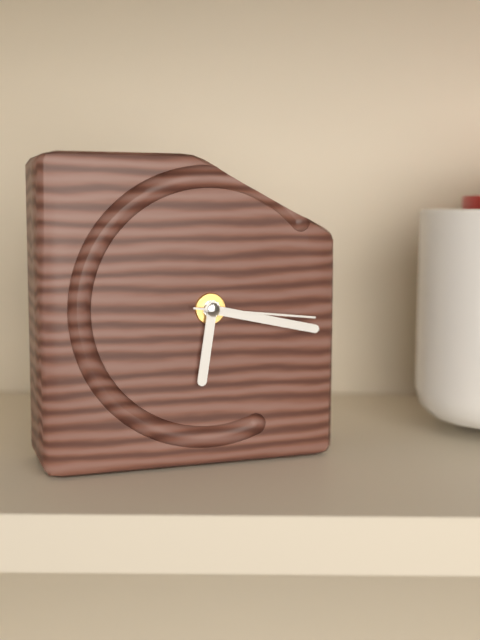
6.17.16
